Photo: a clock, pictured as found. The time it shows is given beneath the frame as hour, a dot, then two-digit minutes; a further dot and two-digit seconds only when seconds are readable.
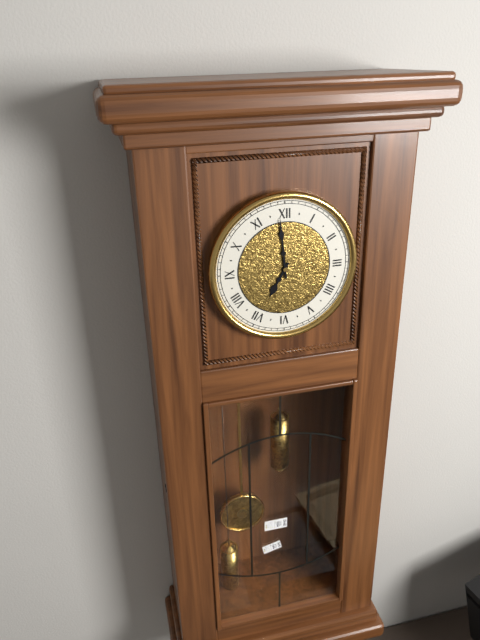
6.59
